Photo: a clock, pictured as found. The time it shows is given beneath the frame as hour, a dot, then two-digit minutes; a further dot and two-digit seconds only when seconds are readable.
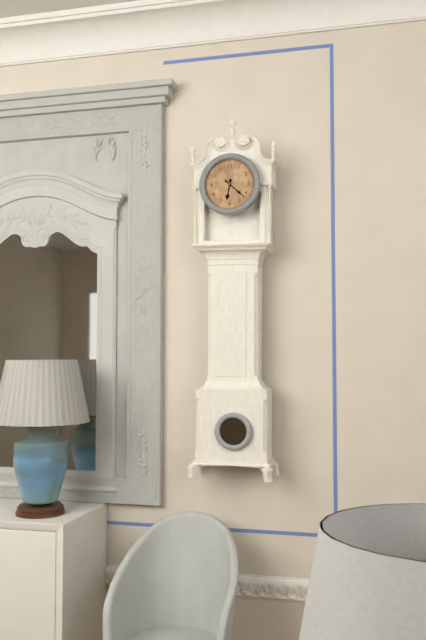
6.22
